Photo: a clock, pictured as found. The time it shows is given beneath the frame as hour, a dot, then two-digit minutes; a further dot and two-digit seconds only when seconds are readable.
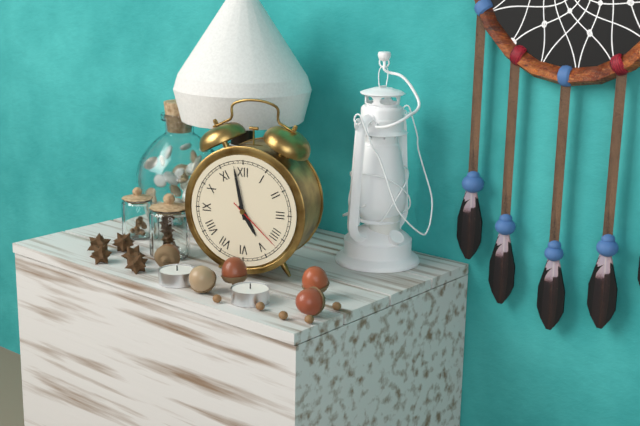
4.58.22
